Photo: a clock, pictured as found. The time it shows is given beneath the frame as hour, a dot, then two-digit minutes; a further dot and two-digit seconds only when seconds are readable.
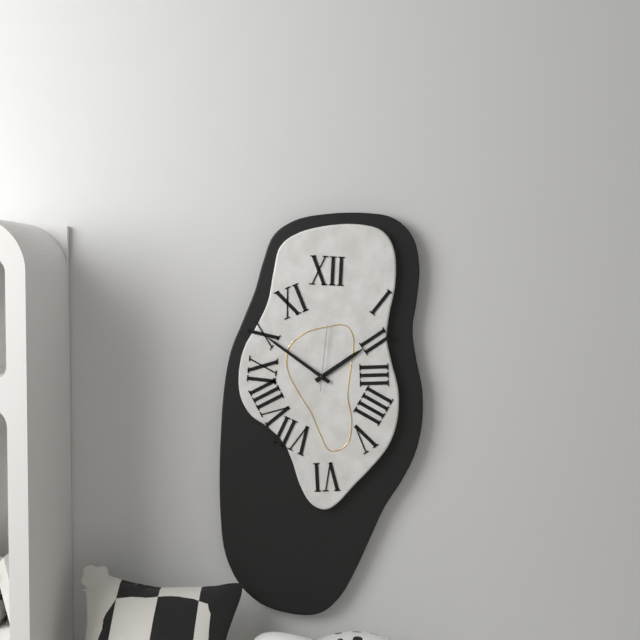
1.51.01
